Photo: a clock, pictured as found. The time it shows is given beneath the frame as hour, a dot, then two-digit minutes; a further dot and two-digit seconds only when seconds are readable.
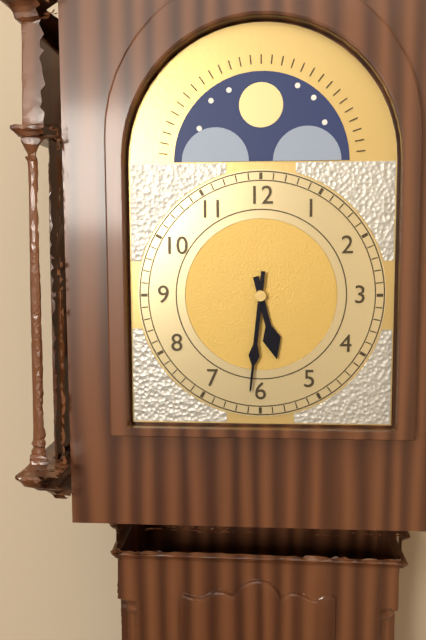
5.31
